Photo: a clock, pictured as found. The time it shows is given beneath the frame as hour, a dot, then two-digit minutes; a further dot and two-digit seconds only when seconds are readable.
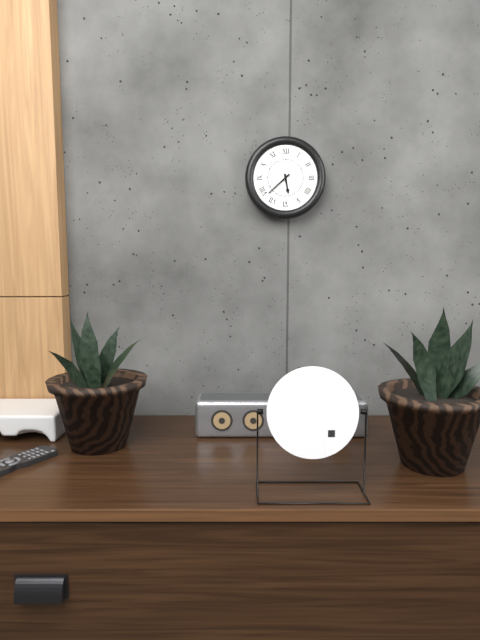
5.38
